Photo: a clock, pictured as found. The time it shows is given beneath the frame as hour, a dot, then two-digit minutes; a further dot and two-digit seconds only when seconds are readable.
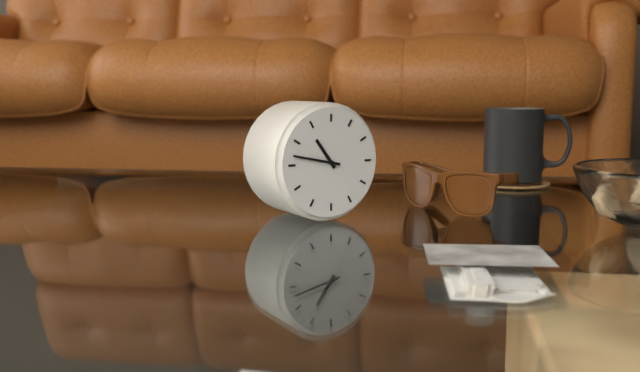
10.47
